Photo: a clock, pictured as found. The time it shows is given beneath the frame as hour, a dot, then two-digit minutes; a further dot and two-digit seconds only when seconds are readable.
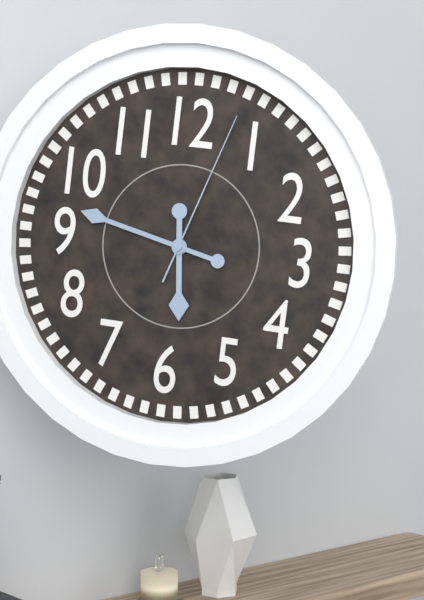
5.47.03
